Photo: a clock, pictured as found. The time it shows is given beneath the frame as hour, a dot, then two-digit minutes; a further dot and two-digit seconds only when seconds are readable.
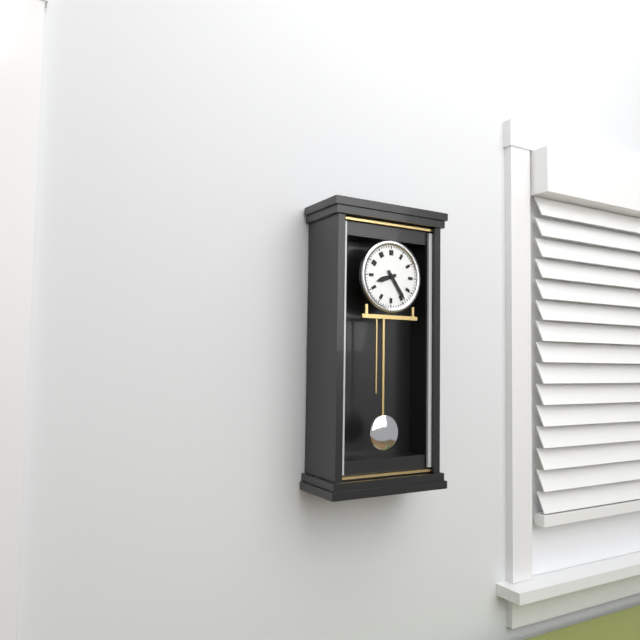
8.24
